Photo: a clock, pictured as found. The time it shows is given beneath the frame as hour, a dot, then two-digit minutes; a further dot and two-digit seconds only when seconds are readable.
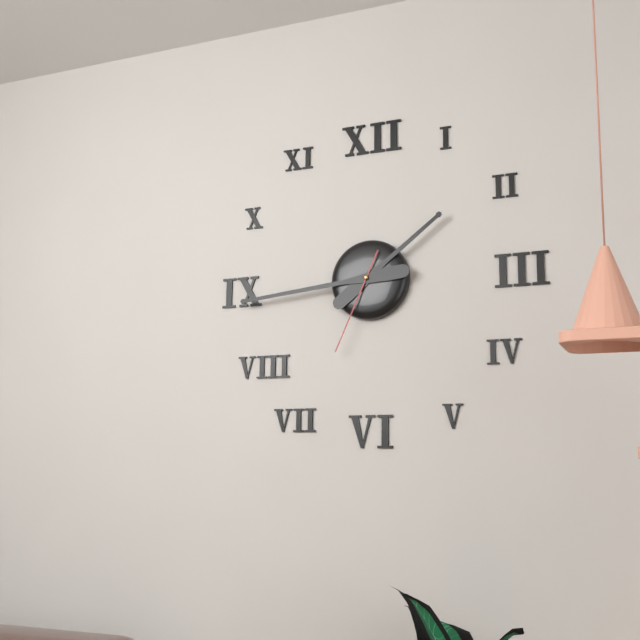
1.44.34
